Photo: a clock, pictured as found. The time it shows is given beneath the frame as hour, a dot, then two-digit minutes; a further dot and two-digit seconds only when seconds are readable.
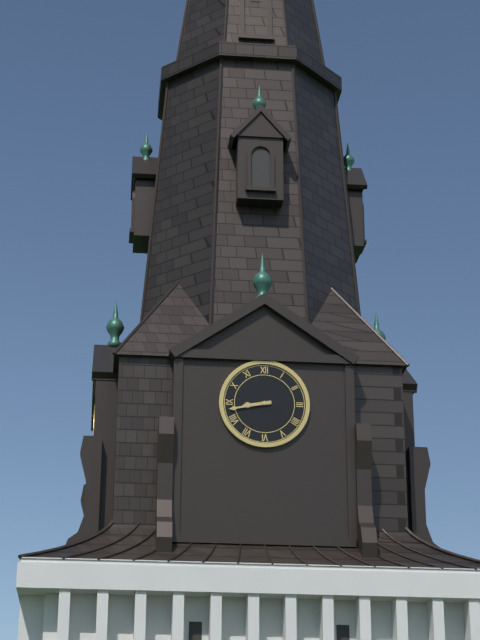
8.43
